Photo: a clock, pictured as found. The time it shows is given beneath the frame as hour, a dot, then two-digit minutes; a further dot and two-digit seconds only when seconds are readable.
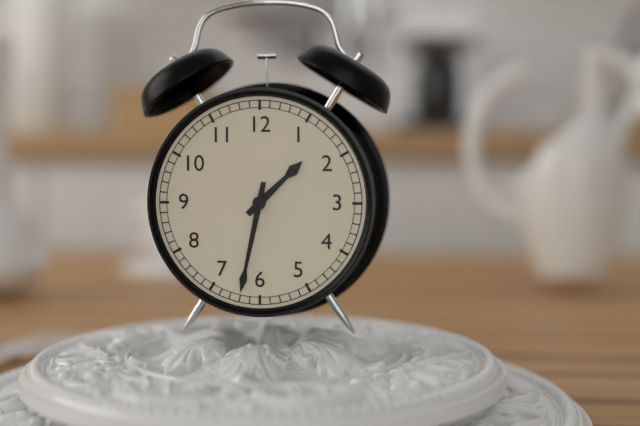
1.32
